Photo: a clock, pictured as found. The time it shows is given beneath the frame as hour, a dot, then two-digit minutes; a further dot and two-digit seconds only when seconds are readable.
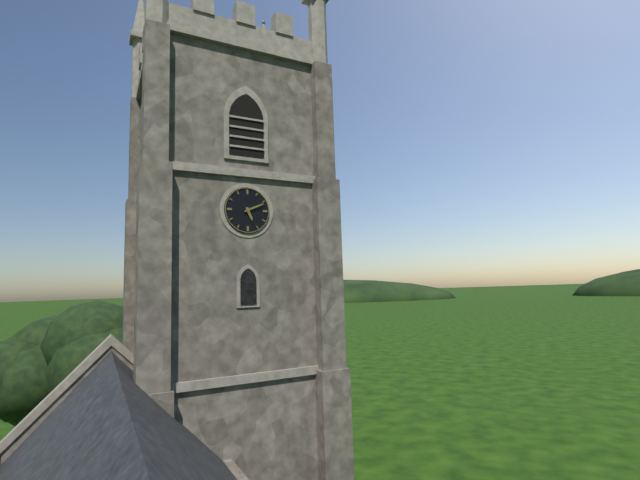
5.11
